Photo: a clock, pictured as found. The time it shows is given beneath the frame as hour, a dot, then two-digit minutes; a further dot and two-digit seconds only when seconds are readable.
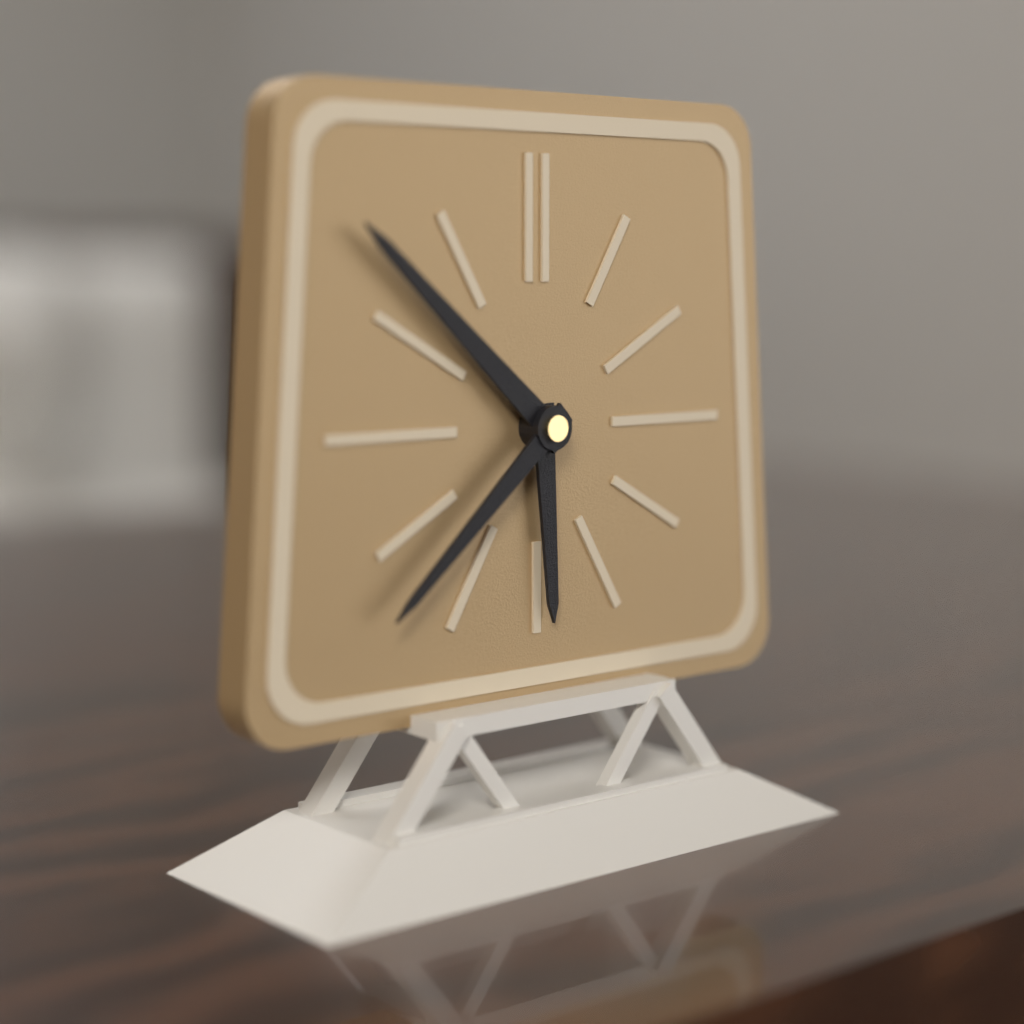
5.52.38
